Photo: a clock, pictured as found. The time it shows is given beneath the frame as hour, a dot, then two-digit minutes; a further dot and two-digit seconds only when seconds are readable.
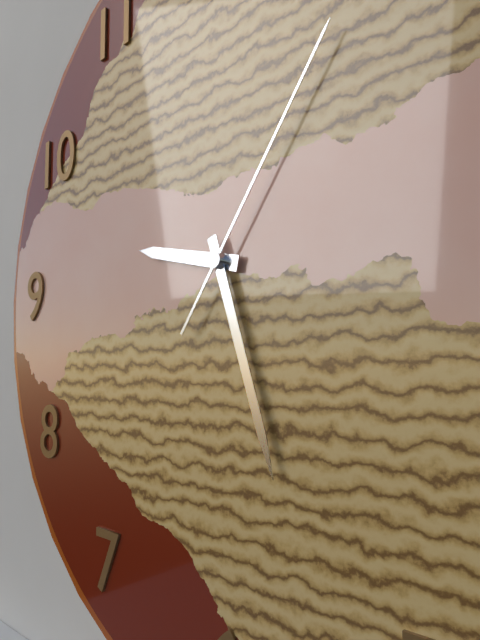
9.27.06
